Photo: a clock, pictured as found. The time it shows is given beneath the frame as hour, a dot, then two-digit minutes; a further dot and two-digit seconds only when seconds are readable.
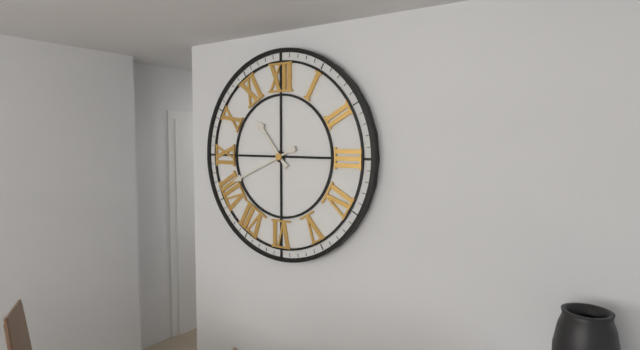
10.41
